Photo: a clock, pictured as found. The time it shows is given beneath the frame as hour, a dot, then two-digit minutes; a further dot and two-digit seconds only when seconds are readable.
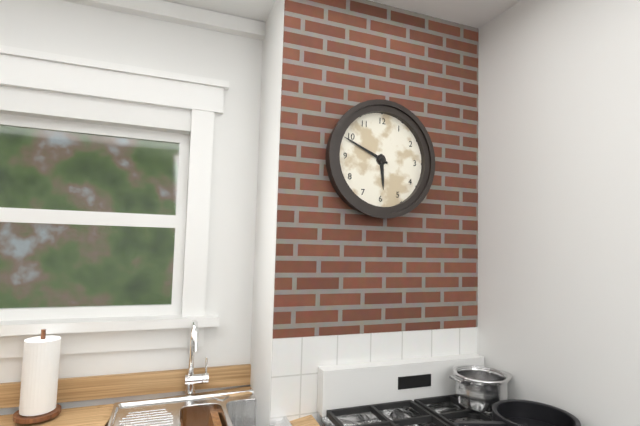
5.49
